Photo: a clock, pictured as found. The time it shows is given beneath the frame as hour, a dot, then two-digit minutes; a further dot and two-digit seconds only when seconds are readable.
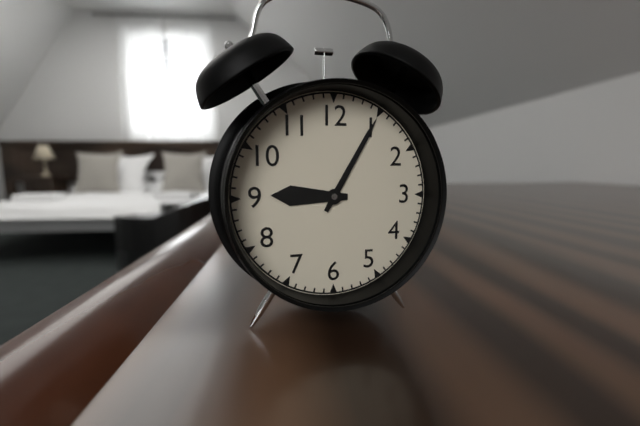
9.05
